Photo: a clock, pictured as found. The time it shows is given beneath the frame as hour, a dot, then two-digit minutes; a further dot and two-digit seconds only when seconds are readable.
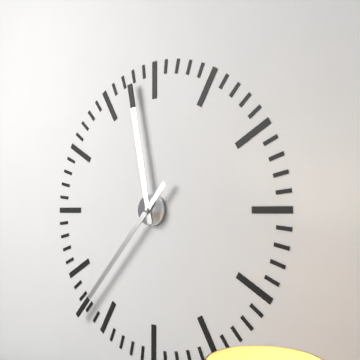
11.37
